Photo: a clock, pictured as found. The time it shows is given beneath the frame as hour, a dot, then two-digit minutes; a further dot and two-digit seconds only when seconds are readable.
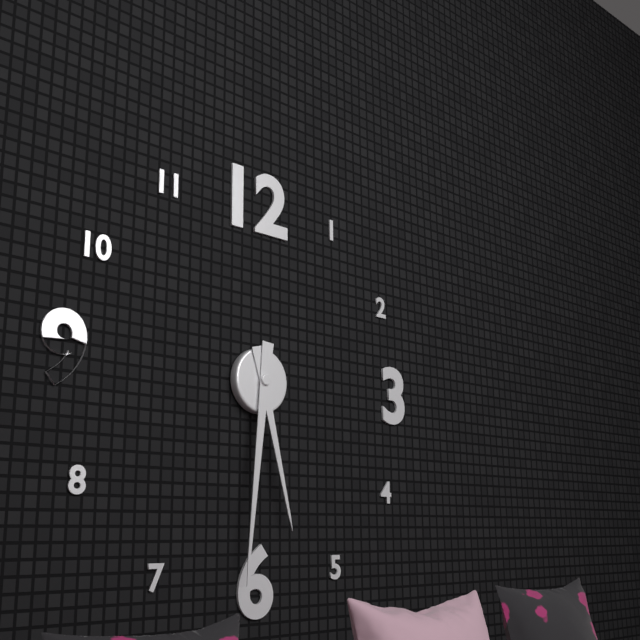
5.31
